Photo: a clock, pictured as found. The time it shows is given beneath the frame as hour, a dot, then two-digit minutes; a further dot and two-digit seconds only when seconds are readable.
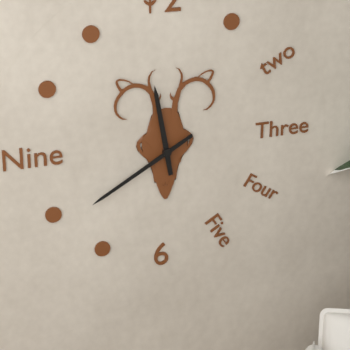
11.40
